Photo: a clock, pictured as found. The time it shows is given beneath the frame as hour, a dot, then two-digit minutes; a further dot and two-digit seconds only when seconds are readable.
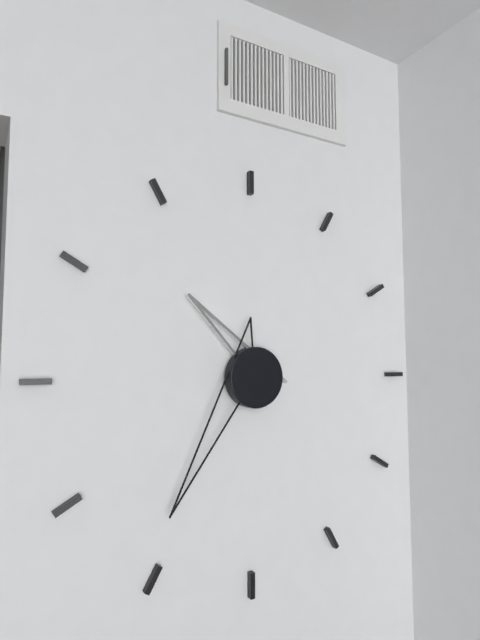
10.36
